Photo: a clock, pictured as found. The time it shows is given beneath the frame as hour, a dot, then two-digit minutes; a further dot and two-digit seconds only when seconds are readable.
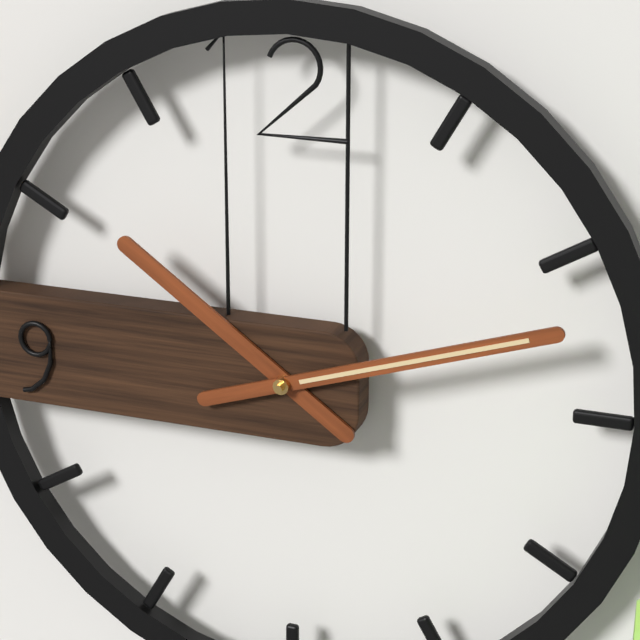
10.12
